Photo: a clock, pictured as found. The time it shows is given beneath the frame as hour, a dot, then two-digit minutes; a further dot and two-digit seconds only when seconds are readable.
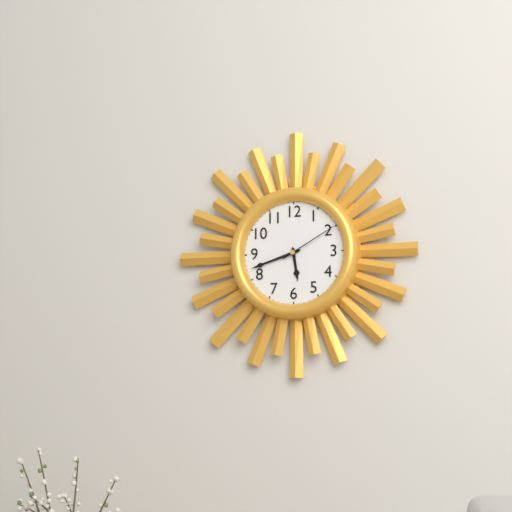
5.42.10
